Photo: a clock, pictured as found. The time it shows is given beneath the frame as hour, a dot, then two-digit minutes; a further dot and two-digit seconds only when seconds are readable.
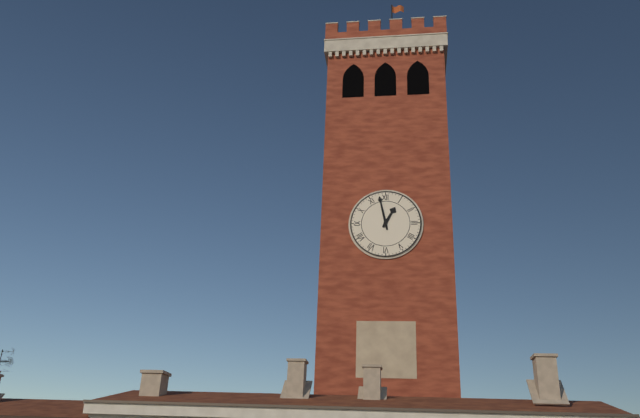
12.58
